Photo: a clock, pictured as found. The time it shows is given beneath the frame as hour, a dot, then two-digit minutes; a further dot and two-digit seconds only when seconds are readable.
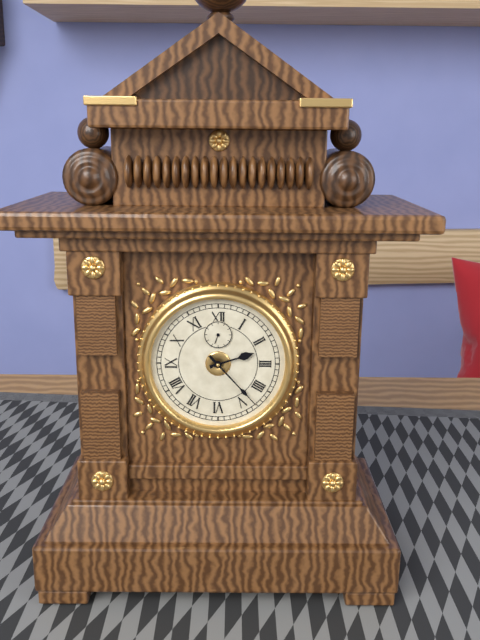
2.23
